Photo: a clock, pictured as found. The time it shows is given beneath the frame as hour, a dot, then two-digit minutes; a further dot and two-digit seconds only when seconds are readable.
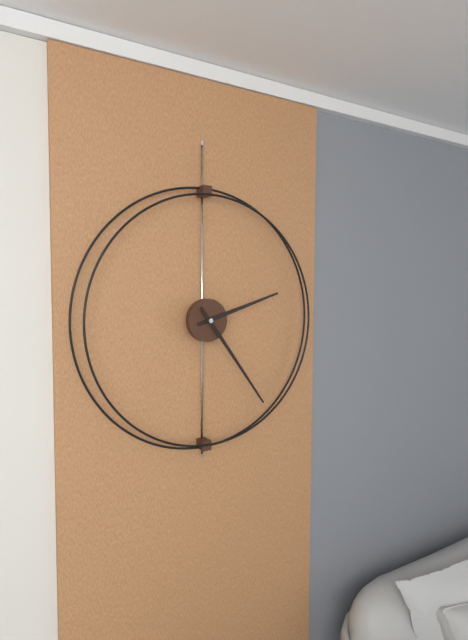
2.24
